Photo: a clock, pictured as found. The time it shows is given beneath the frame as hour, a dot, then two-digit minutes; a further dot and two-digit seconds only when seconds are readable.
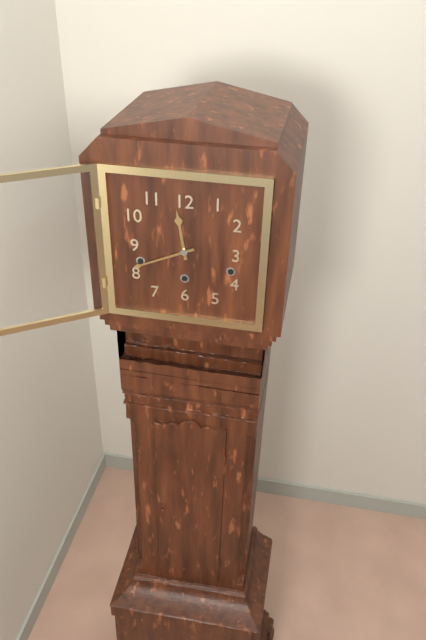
11.41
